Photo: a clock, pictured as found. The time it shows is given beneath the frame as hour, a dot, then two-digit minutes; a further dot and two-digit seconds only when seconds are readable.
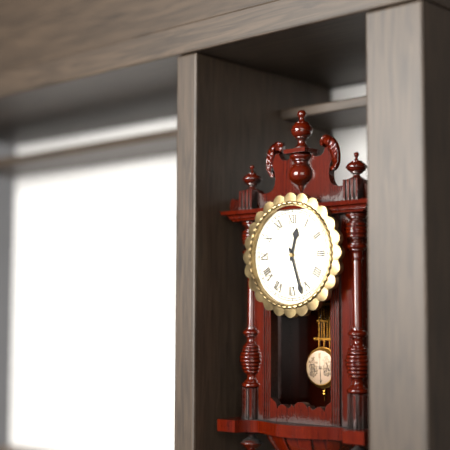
12.27
